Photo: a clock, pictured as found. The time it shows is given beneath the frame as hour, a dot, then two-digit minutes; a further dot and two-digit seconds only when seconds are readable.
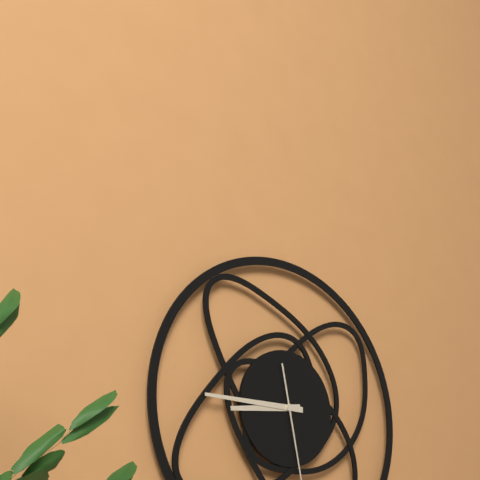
8.45
